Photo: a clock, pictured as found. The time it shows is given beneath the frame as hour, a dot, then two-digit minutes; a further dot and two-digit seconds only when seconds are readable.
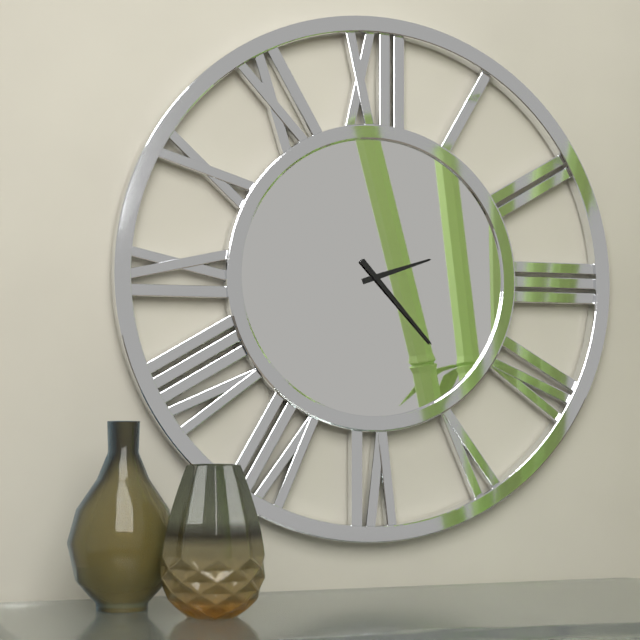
2.23
